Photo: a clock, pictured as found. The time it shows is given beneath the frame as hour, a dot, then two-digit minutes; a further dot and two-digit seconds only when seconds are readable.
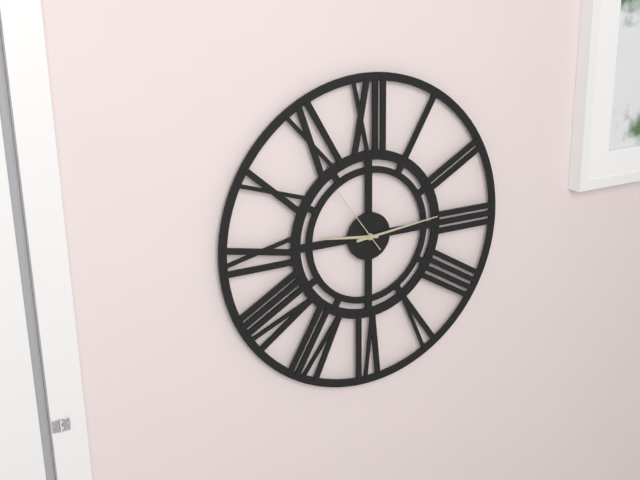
9.14.54
